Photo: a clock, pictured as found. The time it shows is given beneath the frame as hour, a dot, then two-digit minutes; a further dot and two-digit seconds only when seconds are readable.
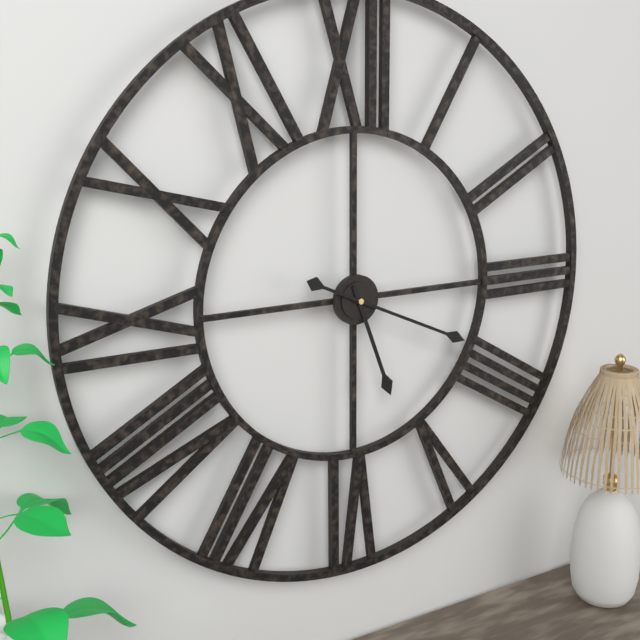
5.19
